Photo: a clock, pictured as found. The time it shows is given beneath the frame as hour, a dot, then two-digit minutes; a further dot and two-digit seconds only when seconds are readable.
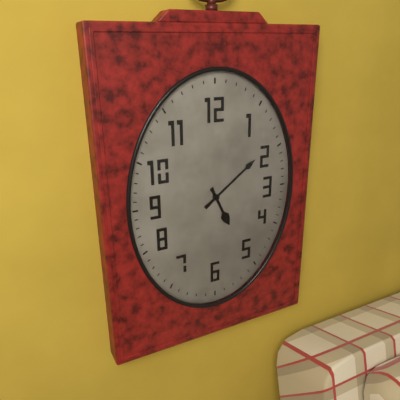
5.09
